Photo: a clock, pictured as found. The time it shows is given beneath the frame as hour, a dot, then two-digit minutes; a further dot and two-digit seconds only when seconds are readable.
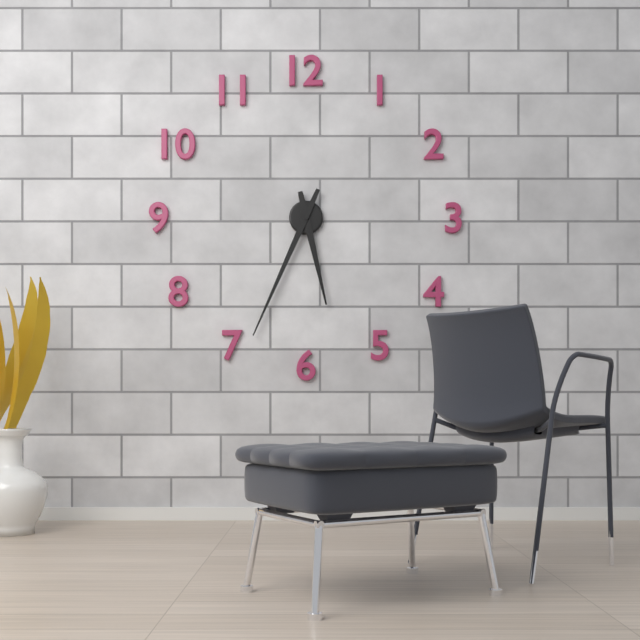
5.34
